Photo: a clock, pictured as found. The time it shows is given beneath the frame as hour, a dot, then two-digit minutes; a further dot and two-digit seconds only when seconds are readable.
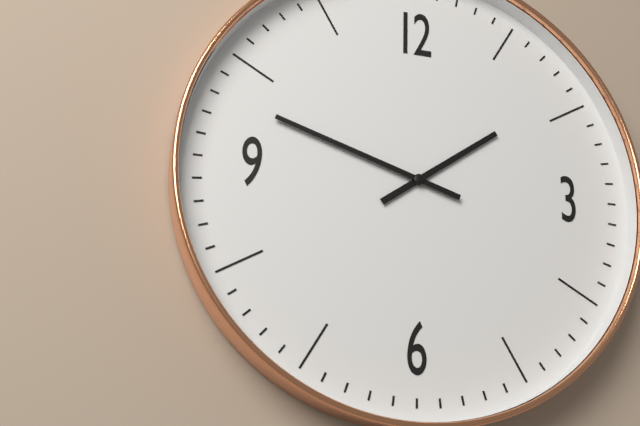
1.48
